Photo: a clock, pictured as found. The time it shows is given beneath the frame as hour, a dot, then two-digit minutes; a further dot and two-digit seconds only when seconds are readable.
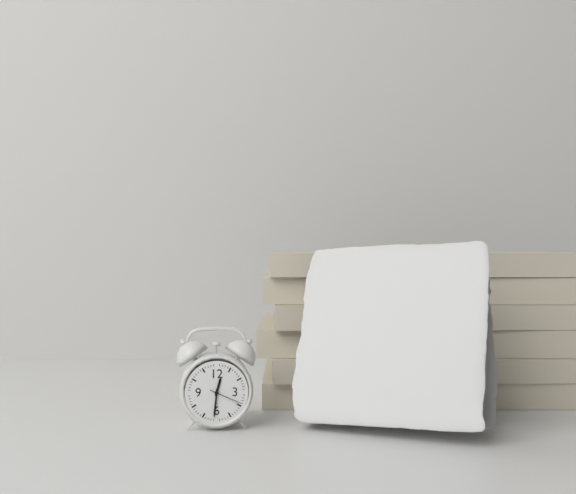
12.31
